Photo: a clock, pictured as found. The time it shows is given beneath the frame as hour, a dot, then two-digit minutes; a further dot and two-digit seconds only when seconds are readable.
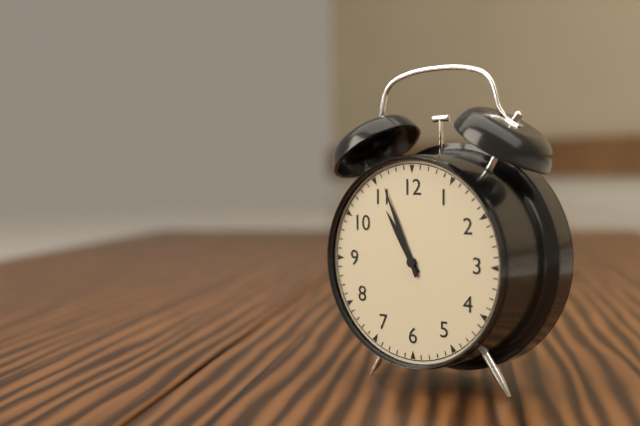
10.56
